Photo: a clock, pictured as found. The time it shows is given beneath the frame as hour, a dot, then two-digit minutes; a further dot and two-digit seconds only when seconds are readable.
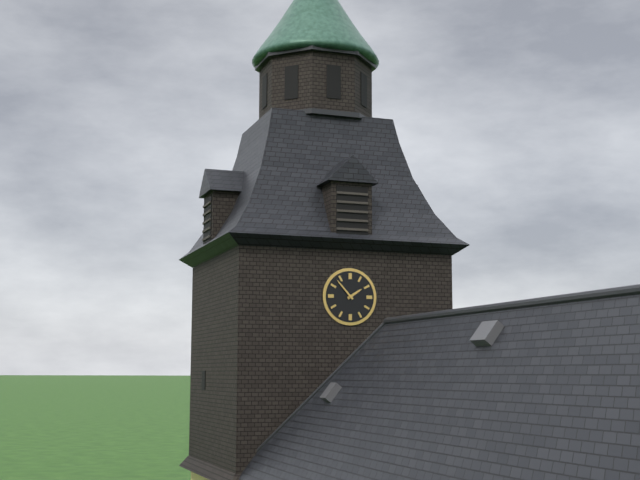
1.53
